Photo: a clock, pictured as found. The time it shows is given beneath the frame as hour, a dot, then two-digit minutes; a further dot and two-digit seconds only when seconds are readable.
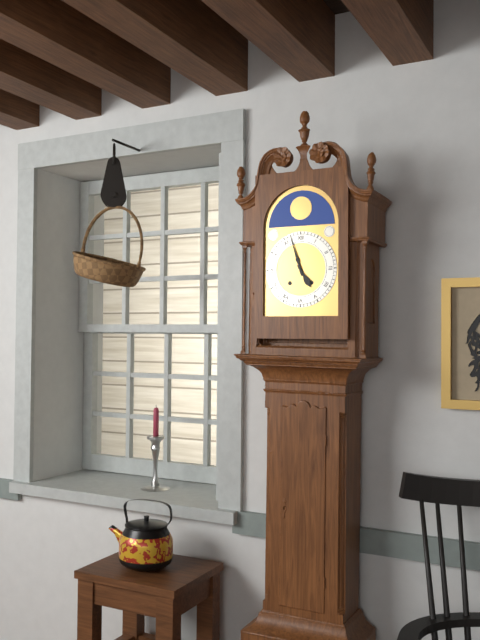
4.57
